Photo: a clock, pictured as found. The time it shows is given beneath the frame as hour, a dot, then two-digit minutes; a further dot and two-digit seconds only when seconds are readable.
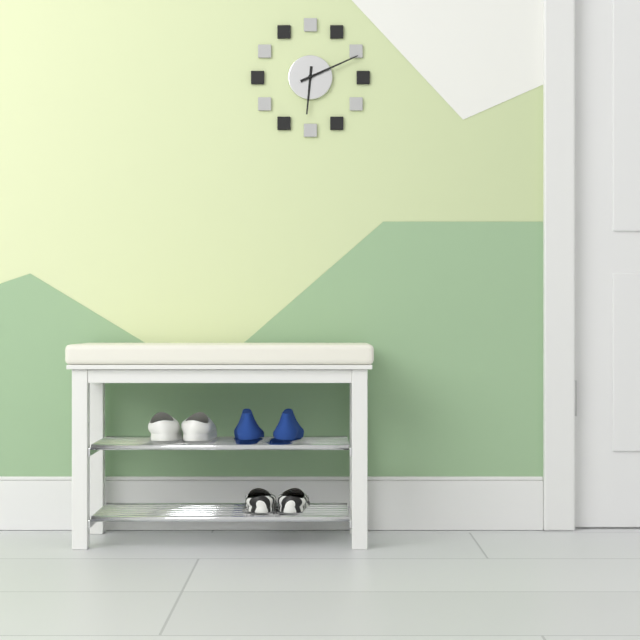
6.11
